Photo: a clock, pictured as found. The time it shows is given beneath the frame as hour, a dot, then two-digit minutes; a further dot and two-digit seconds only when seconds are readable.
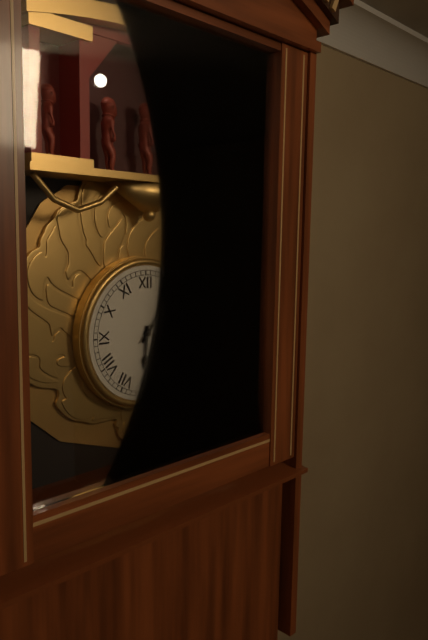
6.07
